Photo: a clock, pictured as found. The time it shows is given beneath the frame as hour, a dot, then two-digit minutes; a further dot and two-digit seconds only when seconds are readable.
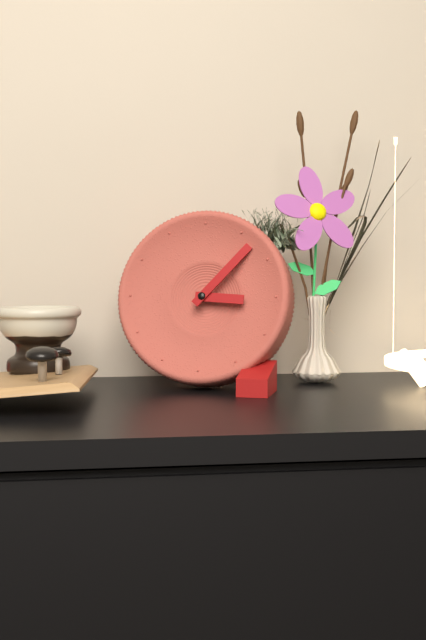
3.07
